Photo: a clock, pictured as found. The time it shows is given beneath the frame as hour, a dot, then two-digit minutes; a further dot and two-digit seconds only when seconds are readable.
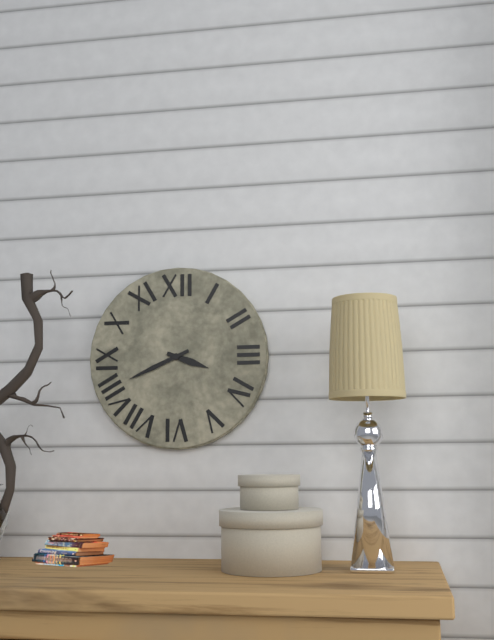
3.41
